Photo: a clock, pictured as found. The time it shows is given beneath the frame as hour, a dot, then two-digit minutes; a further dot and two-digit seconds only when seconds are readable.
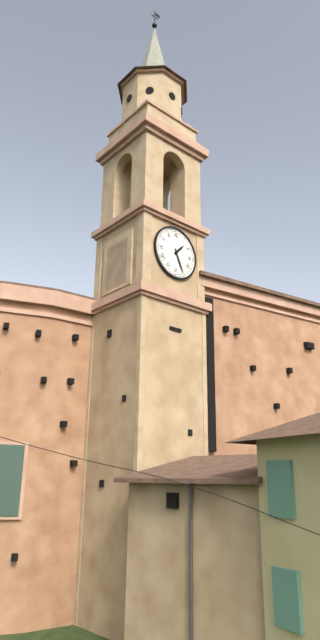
1.26
